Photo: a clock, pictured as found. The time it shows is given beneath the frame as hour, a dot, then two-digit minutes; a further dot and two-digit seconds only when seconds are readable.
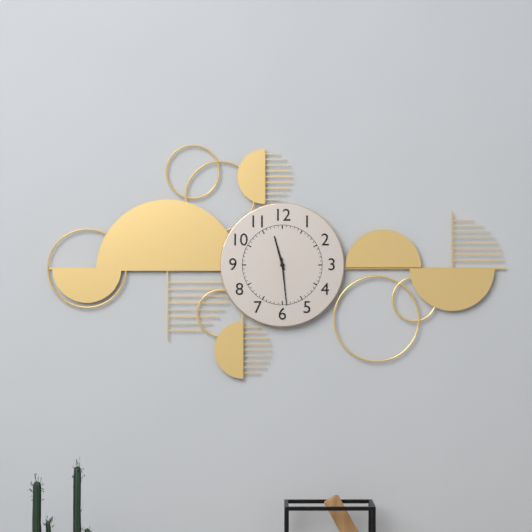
11.29
